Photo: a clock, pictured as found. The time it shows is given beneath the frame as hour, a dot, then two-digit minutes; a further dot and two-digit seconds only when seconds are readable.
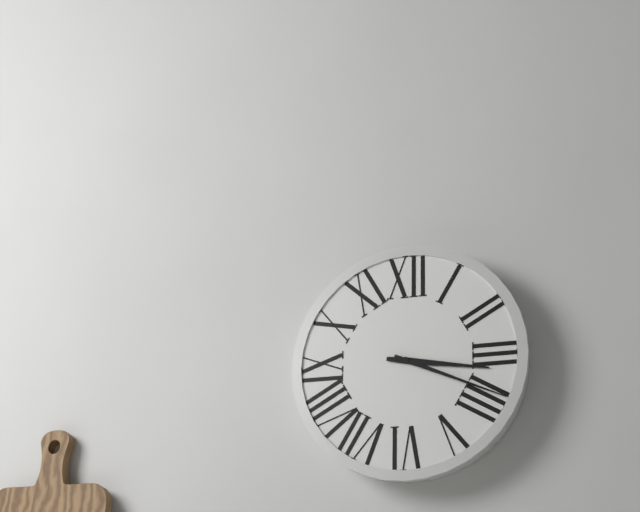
3.19
